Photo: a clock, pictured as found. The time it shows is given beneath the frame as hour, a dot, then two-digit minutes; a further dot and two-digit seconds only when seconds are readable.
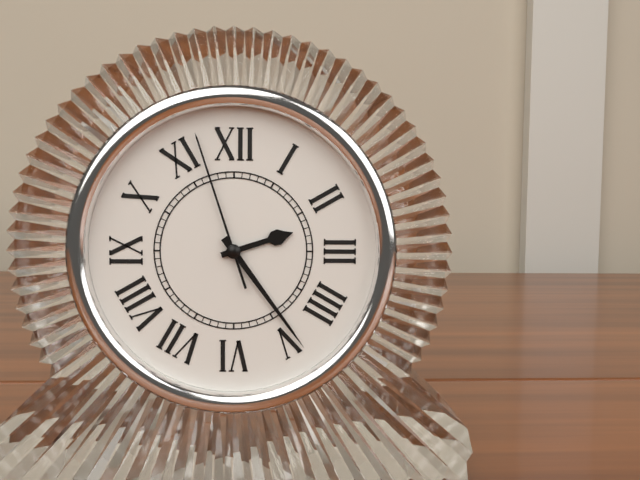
2.24.57
